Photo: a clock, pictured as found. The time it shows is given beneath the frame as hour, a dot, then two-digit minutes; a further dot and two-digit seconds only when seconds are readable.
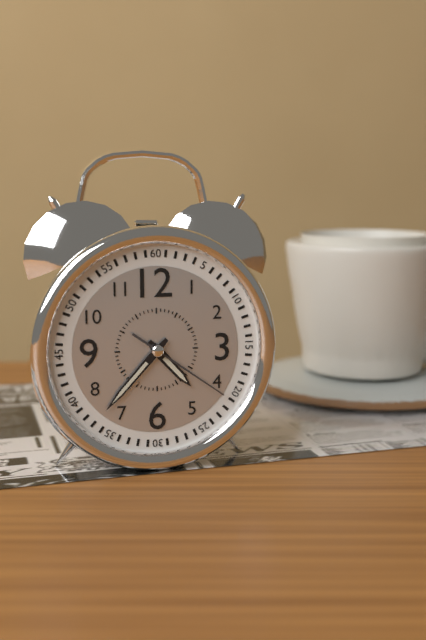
4.37.21
